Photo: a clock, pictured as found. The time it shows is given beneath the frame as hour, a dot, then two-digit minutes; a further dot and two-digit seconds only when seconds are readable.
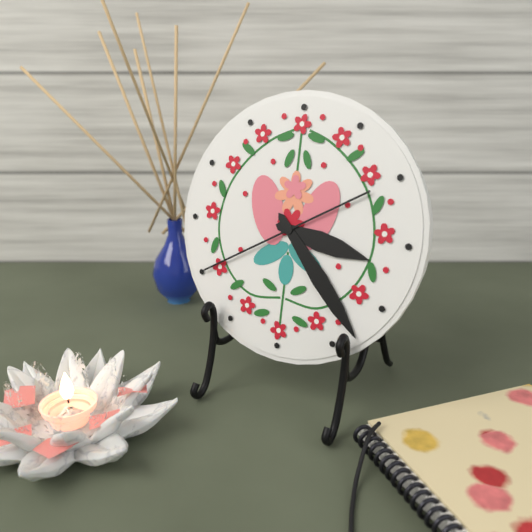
3.23.40
